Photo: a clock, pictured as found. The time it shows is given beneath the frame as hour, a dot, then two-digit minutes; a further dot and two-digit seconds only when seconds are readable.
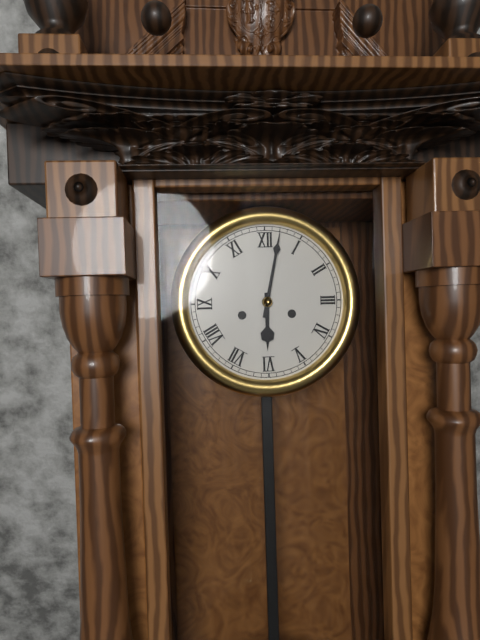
6.02
